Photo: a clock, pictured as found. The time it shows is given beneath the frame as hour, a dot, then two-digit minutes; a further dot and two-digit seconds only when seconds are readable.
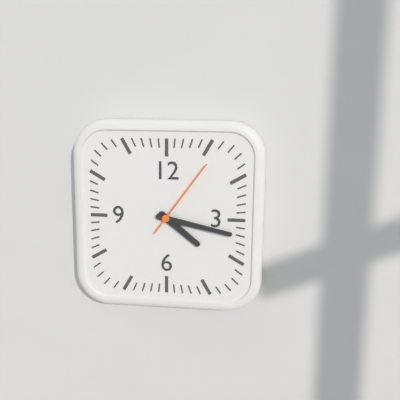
4.17.06
